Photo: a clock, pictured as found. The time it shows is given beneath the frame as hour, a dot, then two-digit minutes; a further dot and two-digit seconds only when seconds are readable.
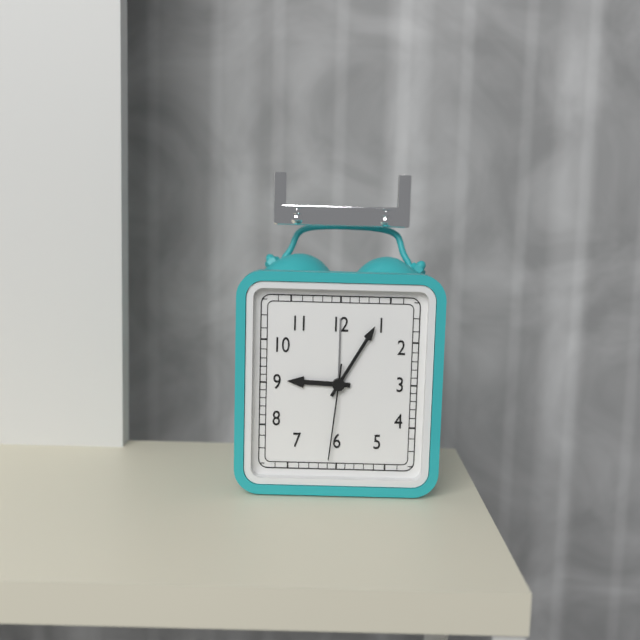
9.05.31
